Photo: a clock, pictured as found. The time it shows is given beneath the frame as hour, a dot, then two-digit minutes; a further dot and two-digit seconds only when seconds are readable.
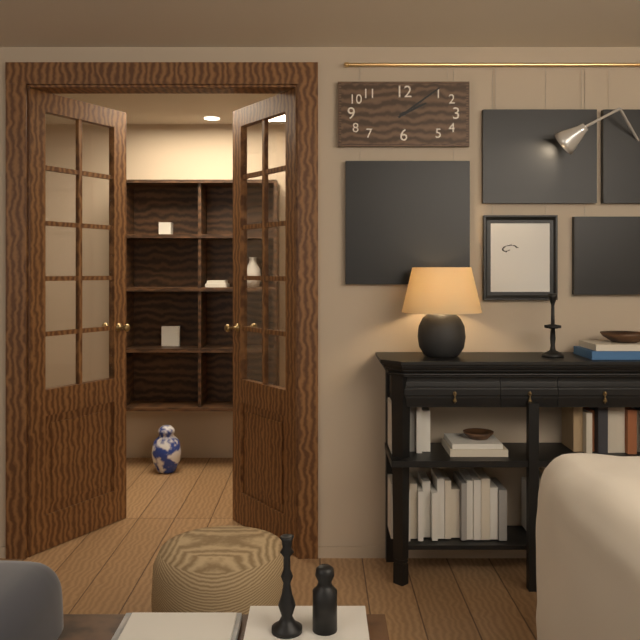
2.09
